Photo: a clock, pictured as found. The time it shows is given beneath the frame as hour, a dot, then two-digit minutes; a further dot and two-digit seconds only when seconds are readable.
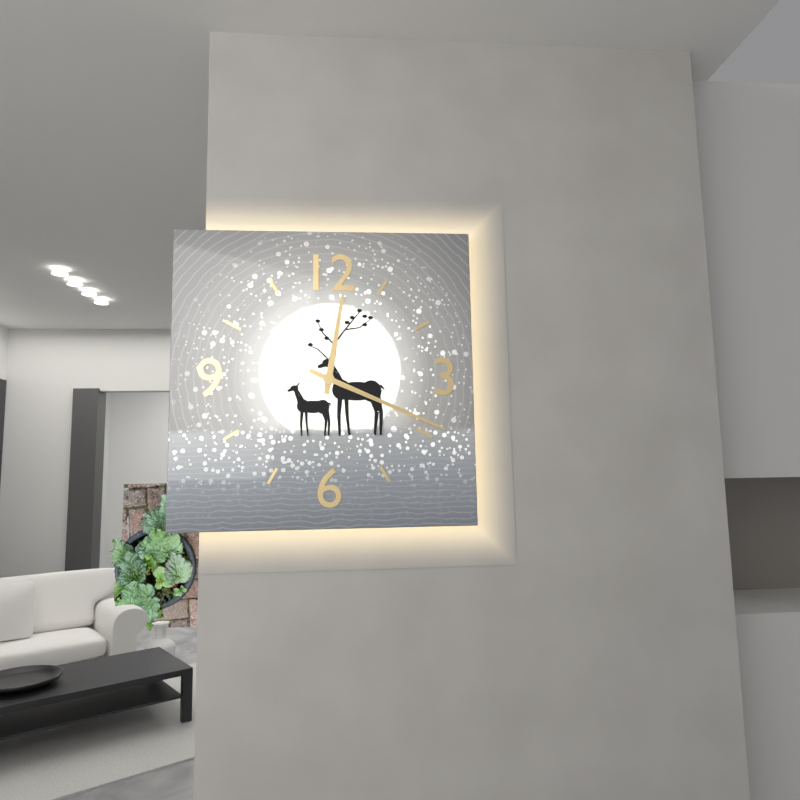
12.19
